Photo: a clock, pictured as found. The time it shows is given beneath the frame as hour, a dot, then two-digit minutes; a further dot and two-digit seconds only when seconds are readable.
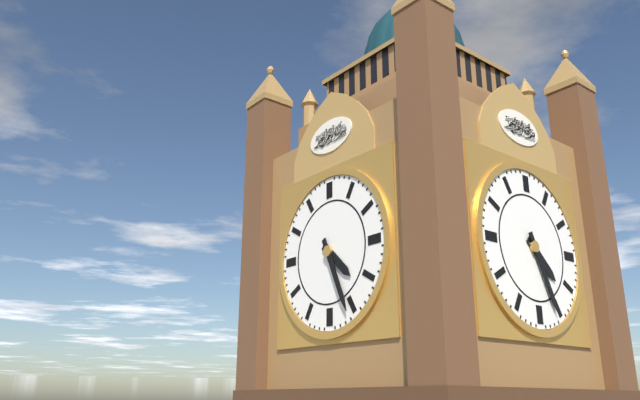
4.26
